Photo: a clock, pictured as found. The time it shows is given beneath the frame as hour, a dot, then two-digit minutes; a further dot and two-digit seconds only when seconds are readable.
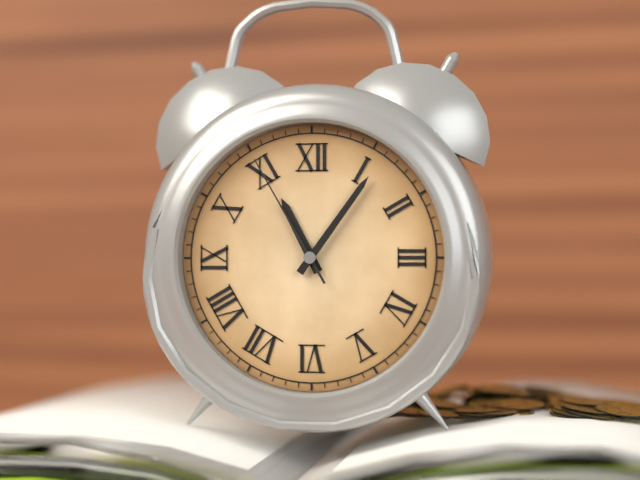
11.06.55
